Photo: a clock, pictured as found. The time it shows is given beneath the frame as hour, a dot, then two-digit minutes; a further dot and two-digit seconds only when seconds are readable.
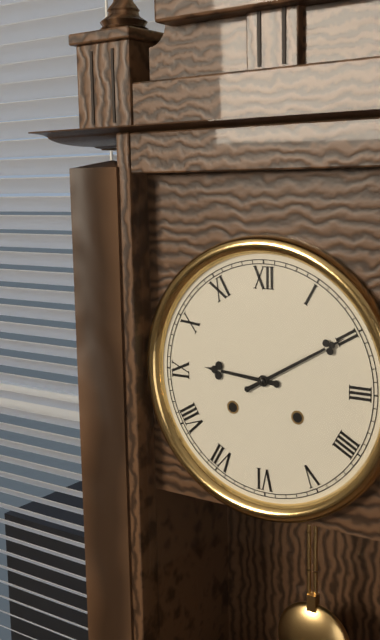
9.10
